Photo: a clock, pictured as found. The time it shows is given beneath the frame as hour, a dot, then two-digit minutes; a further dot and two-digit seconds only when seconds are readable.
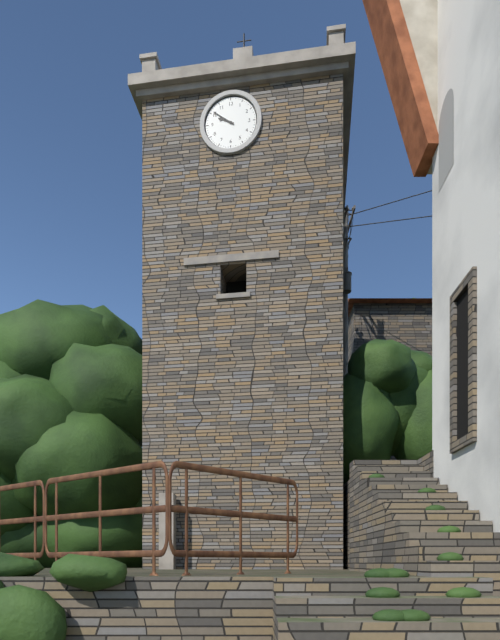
9.51
